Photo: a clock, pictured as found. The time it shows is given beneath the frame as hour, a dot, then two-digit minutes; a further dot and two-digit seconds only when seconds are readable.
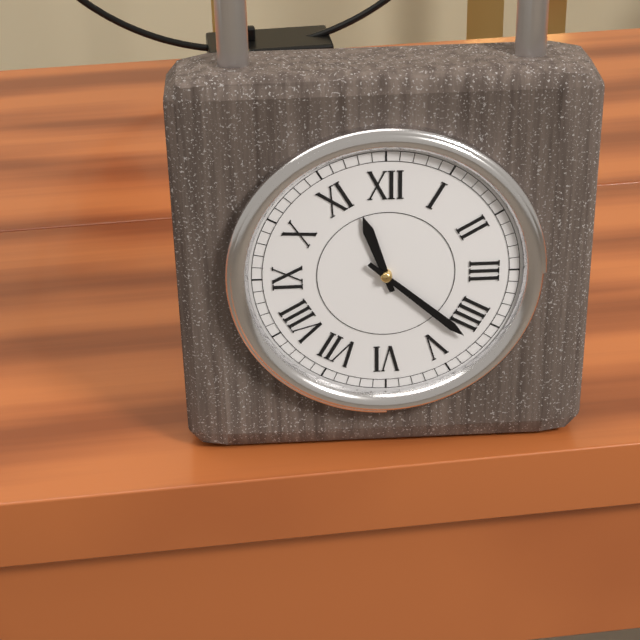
11.22
